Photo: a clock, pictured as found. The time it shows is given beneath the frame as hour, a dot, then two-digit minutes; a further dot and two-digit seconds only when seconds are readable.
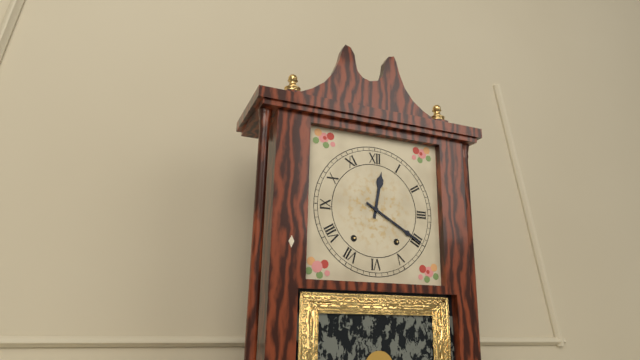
12.20
